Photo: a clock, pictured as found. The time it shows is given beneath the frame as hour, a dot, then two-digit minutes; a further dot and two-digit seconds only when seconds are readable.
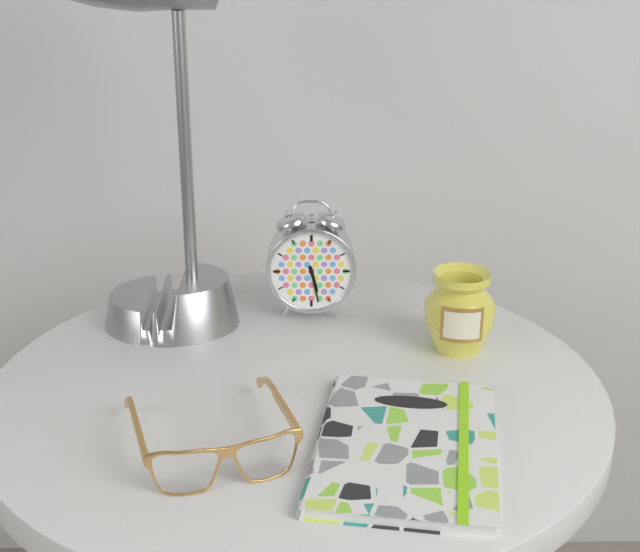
5.28
